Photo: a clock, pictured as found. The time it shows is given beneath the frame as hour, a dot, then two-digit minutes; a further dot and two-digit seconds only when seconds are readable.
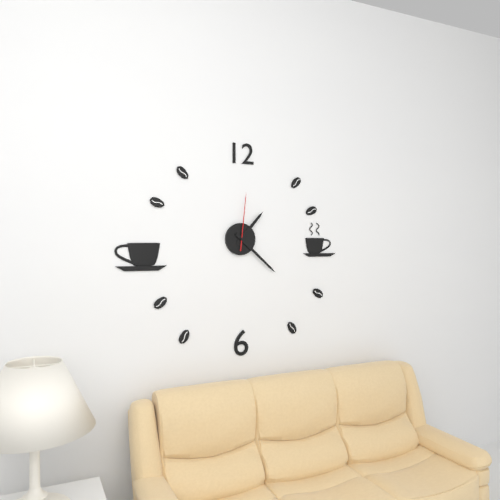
1.22.01
